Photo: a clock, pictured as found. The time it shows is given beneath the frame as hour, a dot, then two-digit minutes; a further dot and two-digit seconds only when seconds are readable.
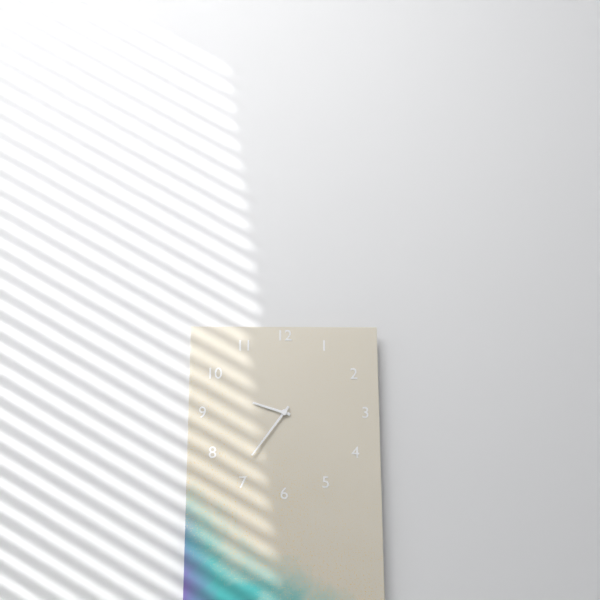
9.36
